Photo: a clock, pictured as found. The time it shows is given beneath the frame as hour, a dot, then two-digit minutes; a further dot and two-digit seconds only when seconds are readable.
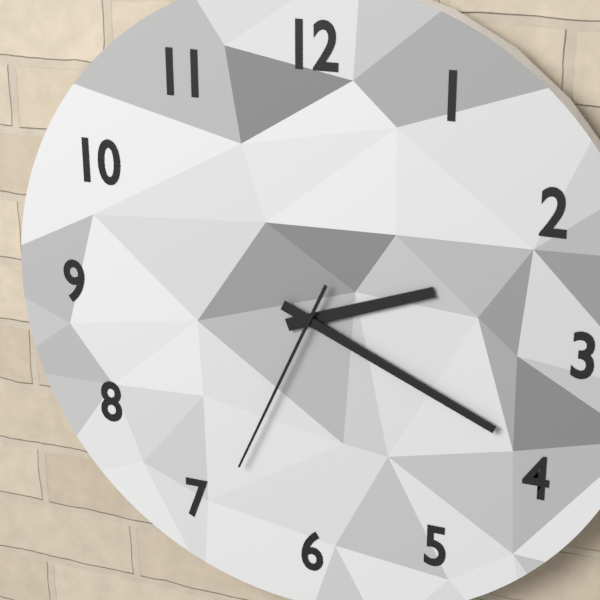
2.19.34
